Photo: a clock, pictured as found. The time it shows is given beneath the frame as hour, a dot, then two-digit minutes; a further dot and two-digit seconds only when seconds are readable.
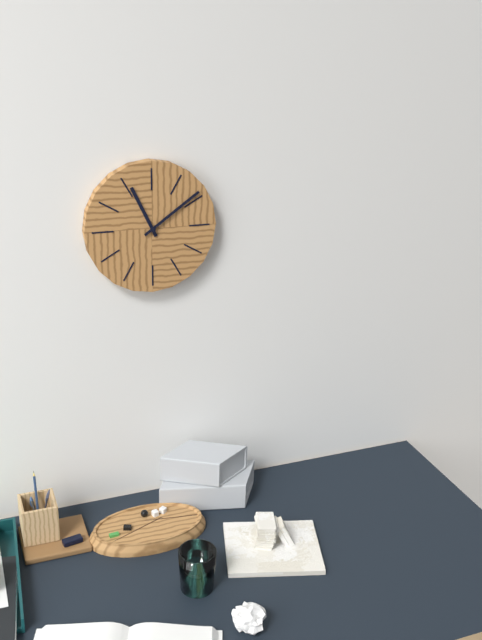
11.09
